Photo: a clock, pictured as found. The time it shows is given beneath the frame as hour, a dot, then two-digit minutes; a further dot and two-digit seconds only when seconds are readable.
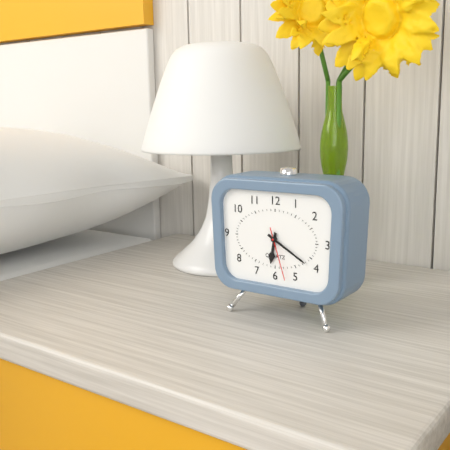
6.20.27
